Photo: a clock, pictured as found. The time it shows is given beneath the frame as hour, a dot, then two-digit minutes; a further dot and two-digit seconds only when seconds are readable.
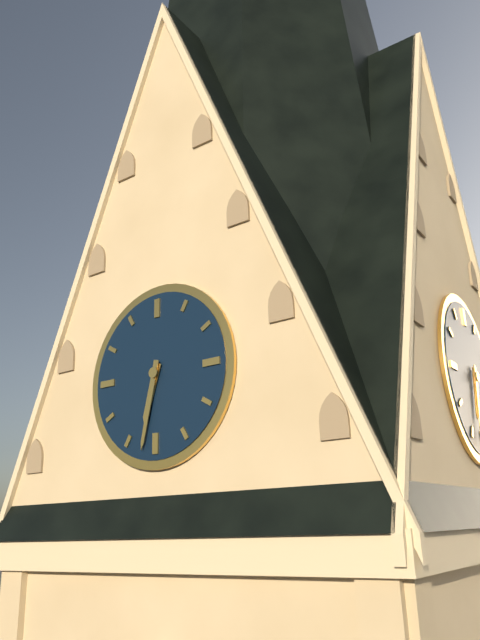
6.32
